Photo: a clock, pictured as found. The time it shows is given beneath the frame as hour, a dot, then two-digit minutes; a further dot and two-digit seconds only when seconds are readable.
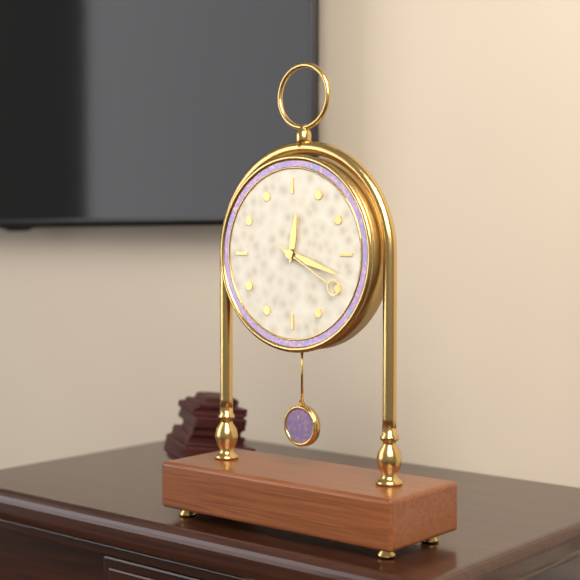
12.18.20
